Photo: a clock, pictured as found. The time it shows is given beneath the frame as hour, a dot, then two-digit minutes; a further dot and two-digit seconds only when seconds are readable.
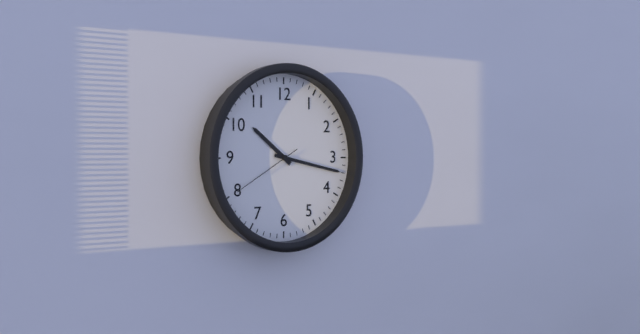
10.17.40
